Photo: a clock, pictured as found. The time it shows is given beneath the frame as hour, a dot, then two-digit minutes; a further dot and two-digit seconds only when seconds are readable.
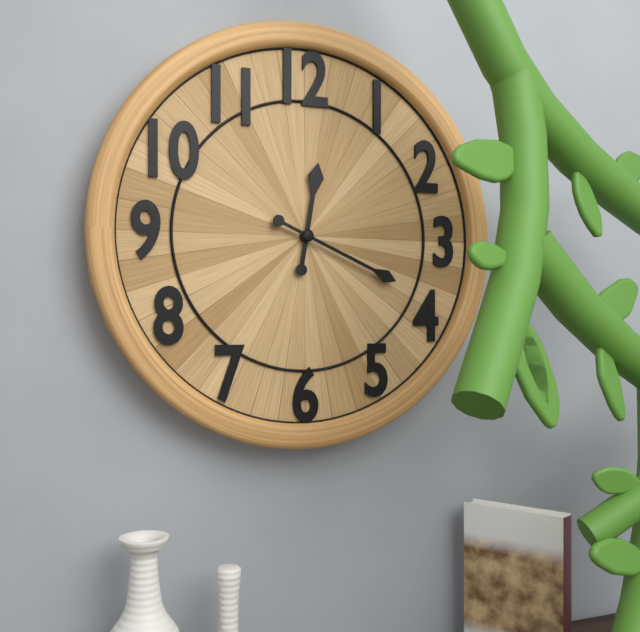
12.19
